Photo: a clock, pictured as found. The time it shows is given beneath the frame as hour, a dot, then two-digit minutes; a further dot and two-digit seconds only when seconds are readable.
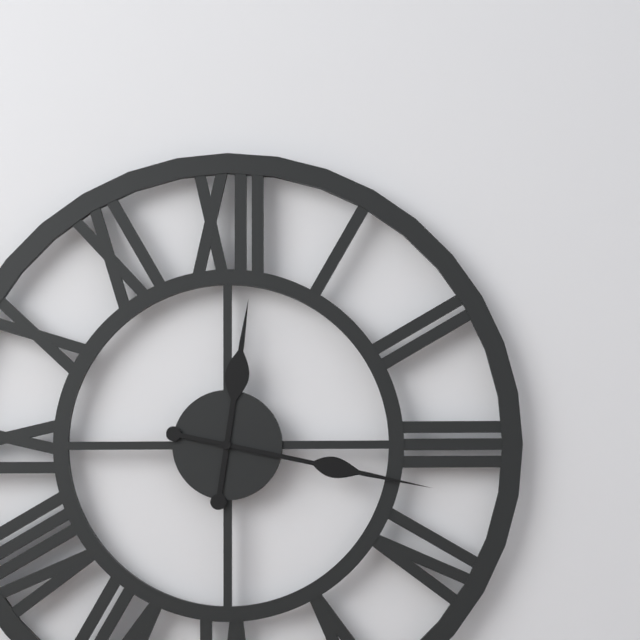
12.17
